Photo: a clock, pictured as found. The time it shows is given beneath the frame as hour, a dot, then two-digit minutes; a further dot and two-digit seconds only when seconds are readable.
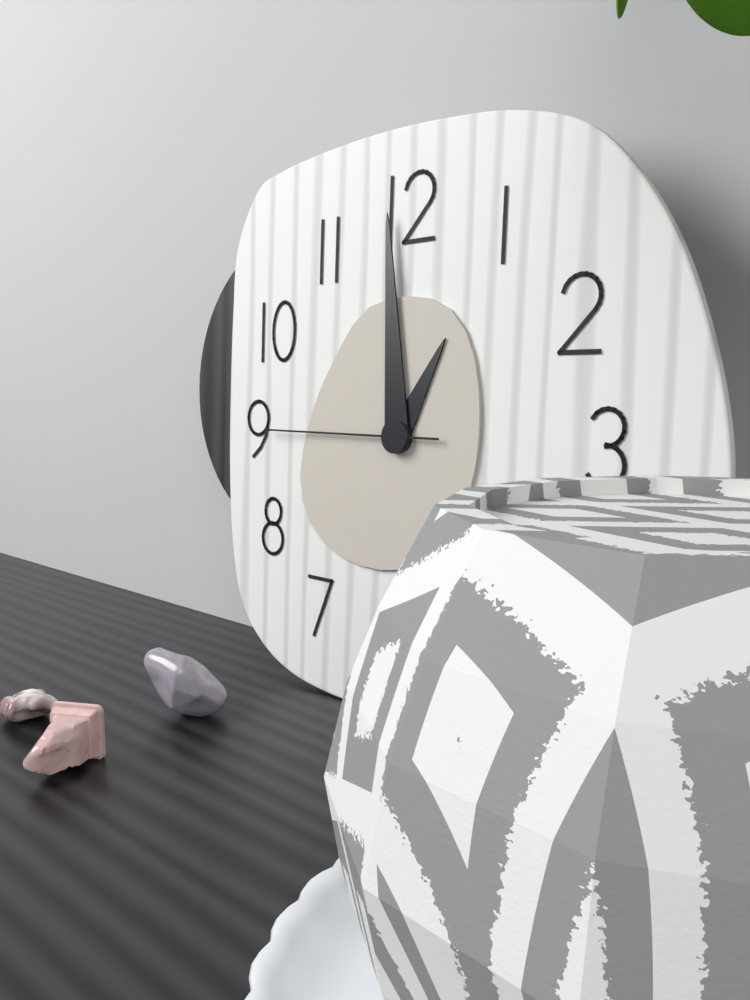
12.59.45
